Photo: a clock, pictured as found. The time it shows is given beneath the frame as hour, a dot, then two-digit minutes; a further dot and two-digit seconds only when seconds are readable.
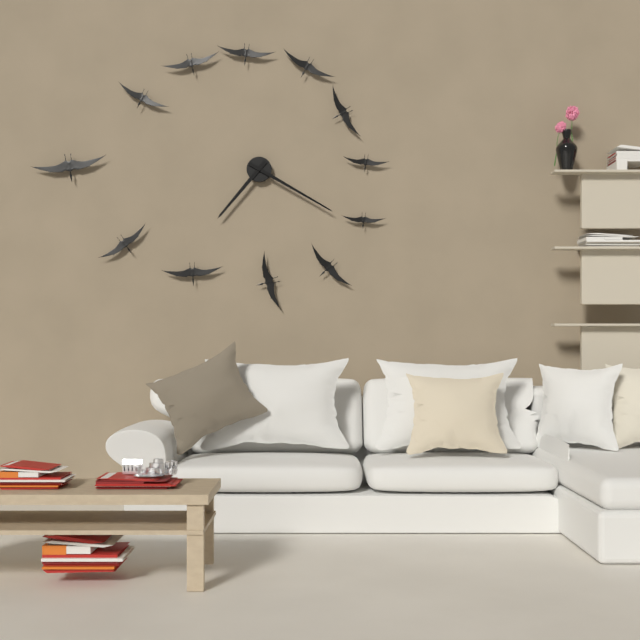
7.20
